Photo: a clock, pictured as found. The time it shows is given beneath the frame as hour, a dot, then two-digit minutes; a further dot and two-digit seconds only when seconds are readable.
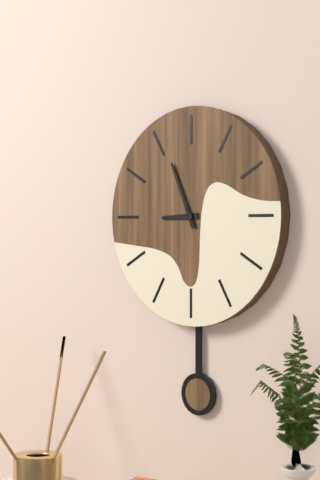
8.56
